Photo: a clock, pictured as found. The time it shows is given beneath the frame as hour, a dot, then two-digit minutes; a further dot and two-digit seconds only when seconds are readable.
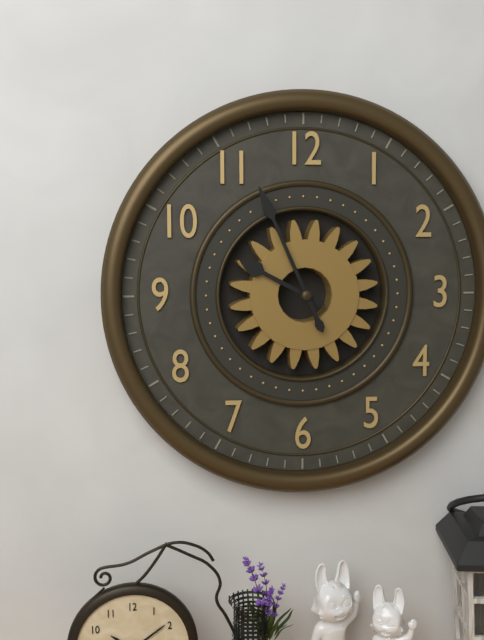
9.56
